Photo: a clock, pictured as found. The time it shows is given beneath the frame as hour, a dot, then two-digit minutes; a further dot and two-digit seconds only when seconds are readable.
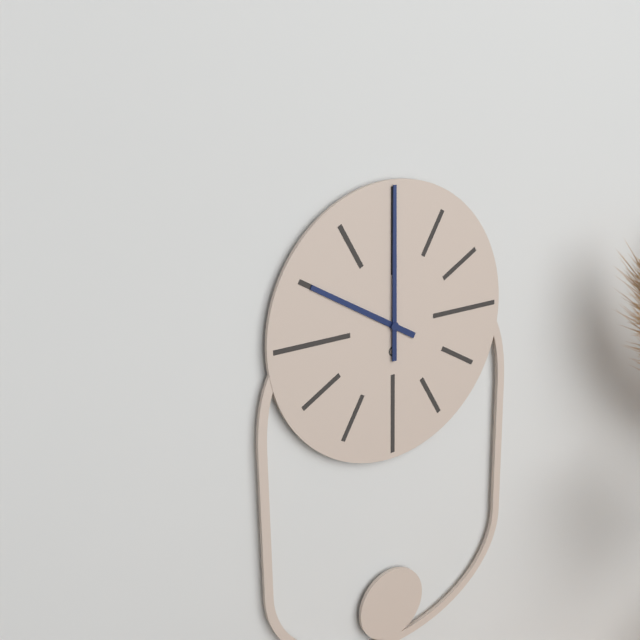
10.00
